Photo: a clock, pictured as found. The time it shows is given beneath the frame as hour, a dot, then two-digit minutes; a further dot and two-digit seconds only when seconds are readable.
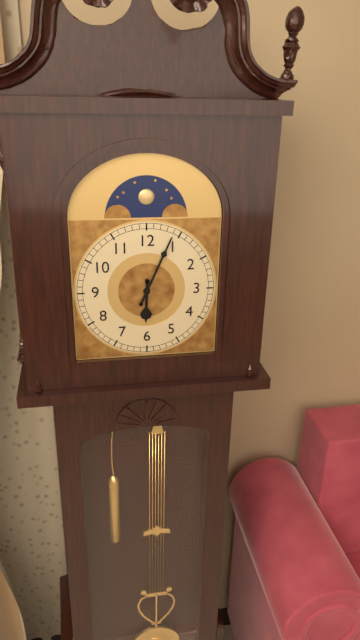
6.04
